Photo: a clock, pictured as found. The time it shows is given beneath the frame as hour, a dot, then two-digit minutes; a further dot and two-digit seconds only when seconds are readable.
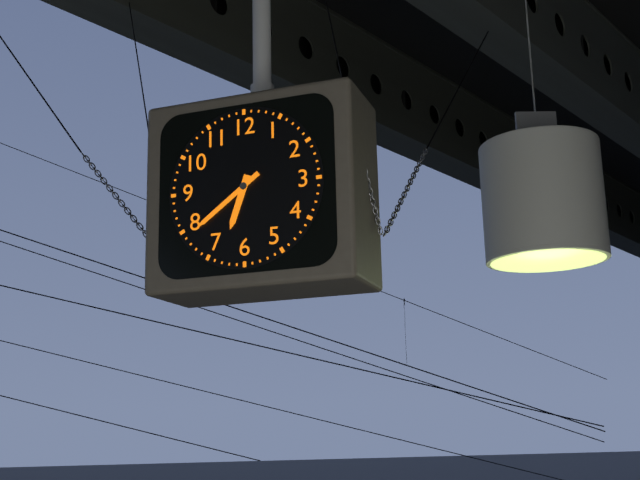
6.39
